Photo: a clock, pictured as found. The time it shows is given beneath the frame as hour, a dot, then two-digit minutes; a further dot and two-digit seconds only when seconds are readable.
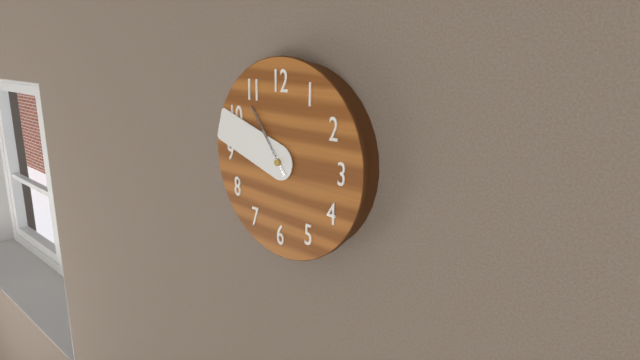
10.48
